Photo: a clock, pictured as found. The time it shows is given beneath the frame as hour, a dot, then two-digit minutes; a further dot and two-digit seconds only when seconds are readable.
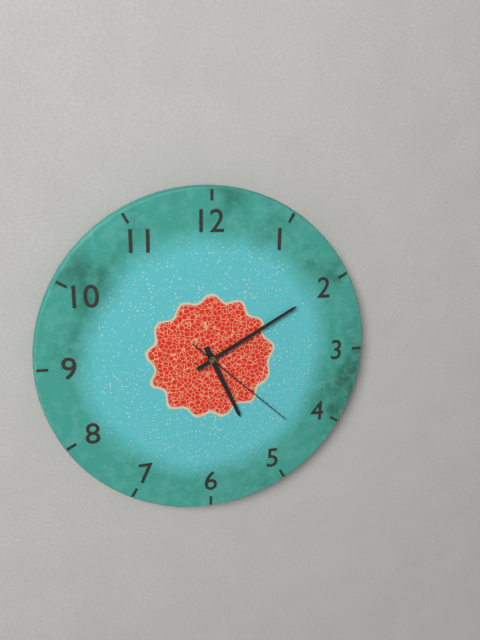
5.10.22
